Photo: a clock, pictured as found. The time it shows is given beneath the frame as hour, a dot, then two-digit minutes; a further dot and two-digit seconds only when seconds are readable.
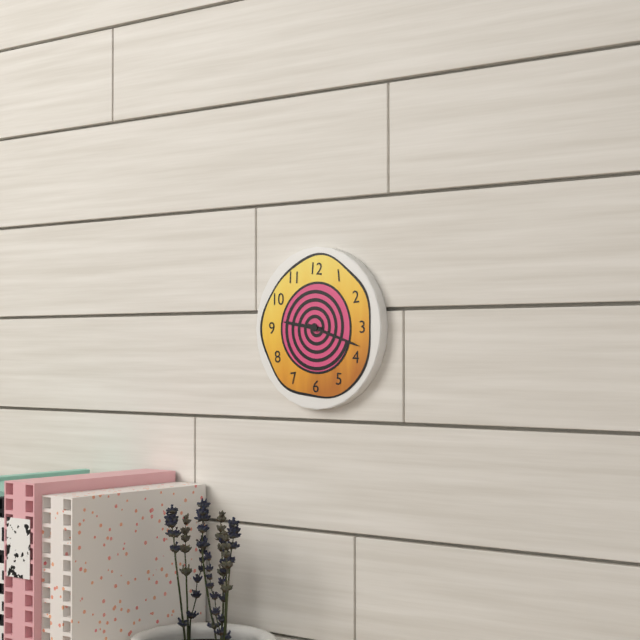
9.18
